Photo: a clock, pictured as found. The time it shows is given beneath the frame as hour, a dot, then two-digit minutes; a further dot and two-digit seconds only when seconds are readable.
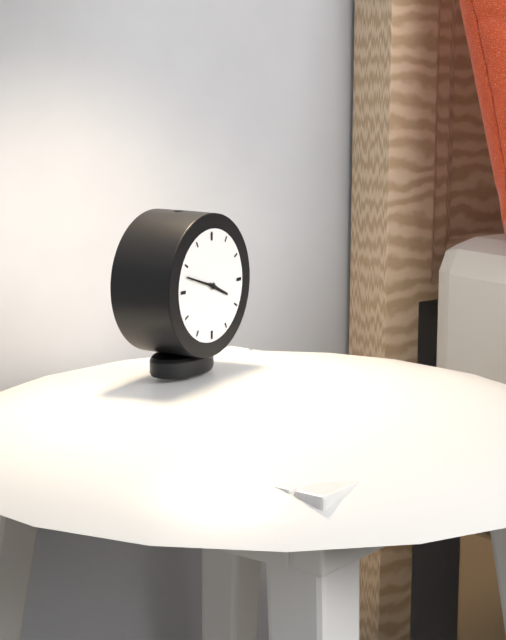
3.48
